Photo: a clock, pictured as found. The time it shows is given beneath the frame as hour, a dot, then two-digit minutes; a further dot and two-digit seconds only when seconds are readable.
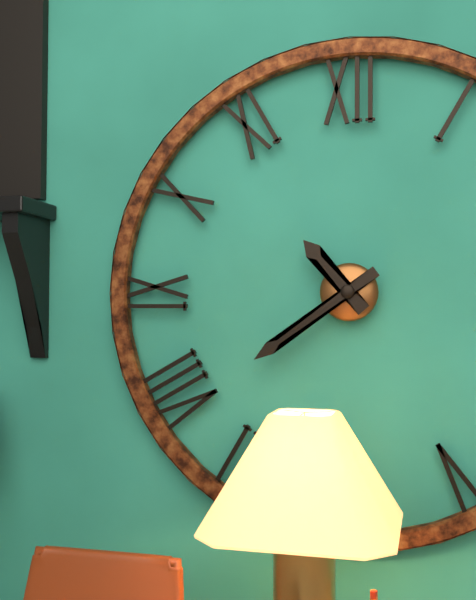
10.39
